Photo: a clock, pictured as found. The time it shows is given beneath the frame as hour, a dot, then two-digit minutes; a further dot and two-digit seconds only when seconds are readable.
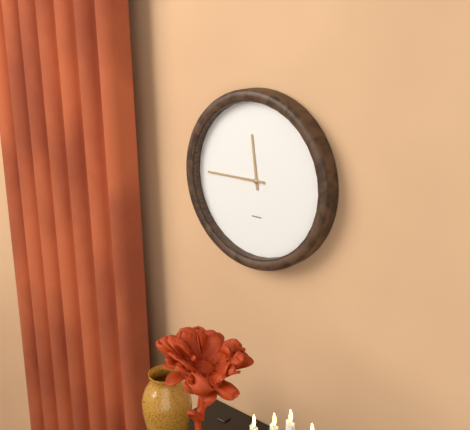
11.45
